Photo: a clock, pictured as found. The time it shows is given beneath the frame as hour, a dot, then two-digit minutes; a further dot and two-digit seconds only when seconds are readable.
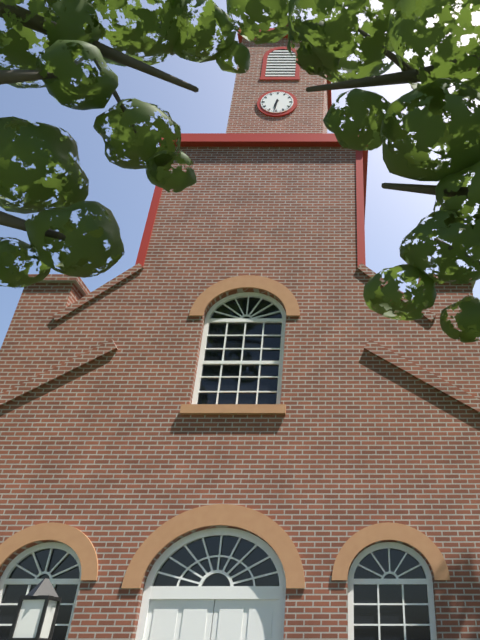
6.31
